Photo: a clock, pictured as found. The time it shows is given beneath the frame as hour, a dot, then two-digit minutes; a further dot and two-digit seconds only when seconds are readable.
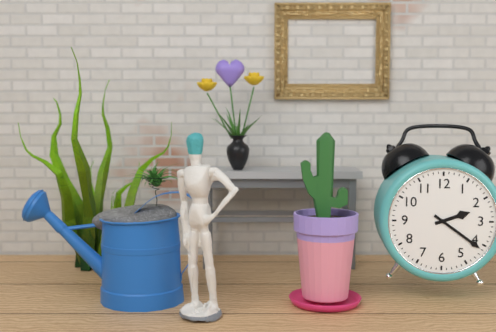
2.21
